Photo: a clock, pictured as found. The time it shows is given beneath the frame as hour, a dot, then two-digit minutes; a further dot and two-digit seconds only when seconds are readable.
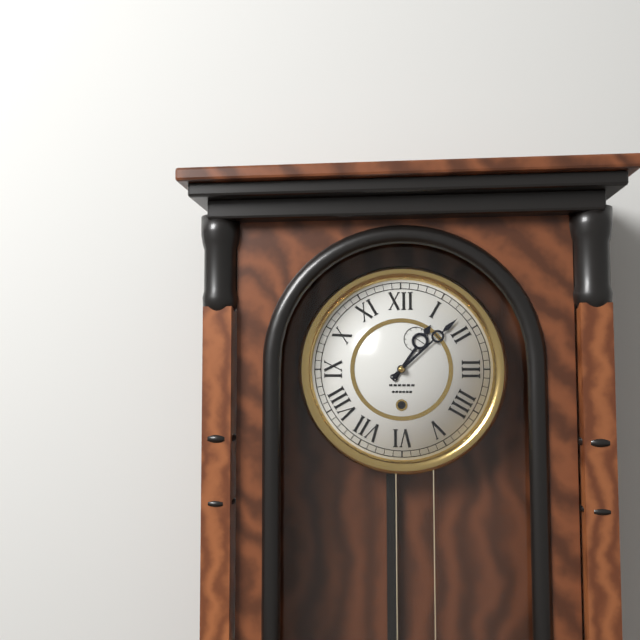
1.08
